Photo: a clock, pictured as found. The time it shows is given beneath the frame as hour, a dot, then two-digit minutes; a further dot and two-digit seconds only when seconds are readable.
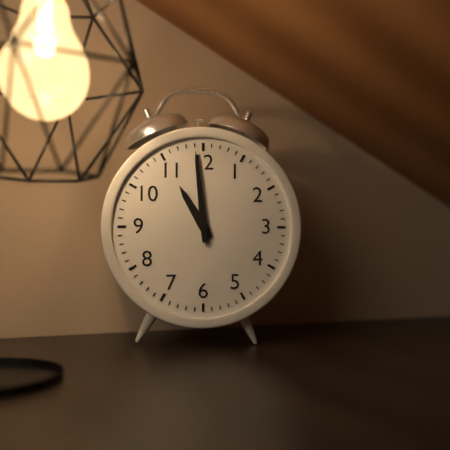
10.59
